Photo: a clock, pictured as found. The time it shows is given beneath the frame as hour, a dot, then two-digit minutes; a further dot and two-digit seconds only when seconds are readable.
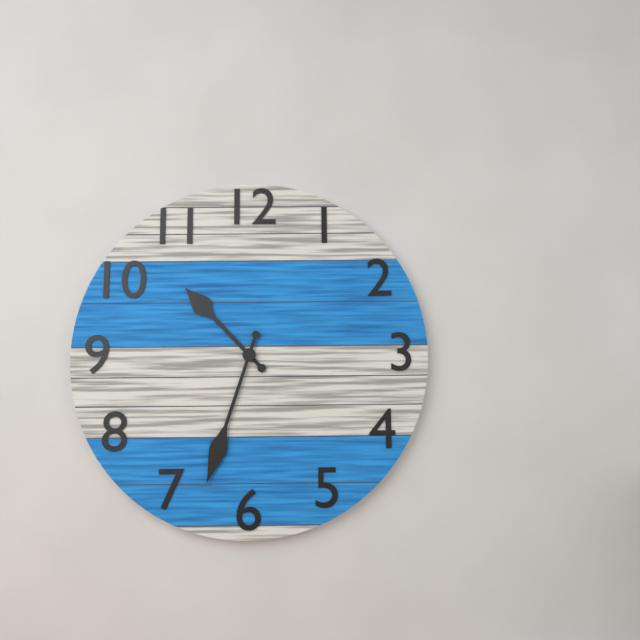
10.33
